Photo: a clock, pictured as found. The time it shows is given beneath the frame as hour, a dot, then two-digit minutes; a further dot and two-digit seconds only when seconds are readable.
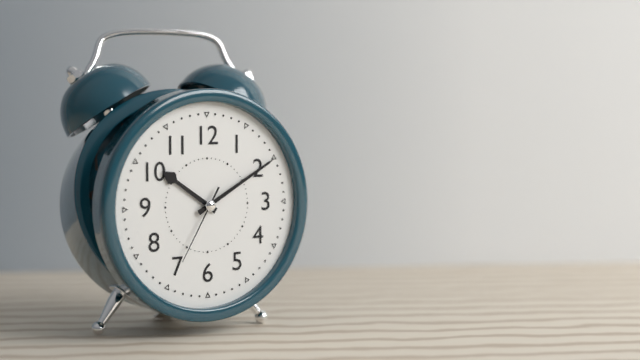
10.10.35
